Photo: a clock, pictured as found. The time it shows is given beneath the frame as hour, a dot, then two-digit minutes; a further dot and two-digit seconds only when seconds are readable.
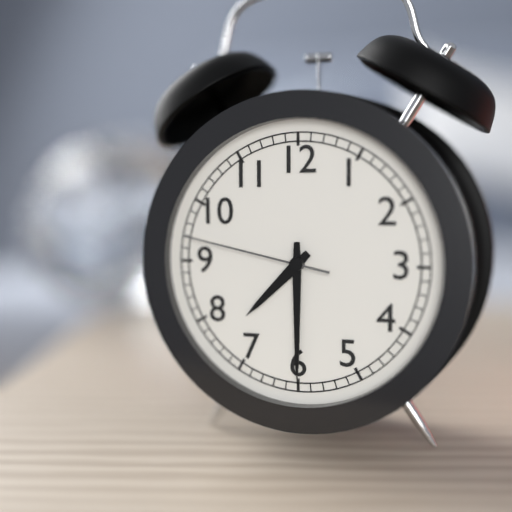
7.30.47
